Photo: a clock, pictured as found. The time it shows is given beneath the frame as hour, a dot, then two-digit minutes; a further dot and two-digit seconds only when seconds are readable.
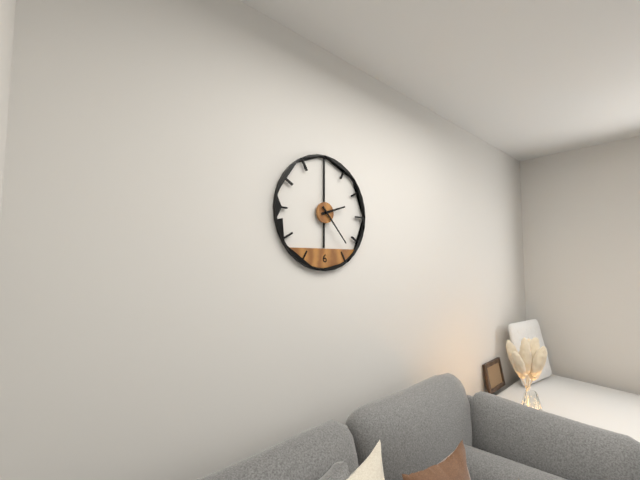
2.23
